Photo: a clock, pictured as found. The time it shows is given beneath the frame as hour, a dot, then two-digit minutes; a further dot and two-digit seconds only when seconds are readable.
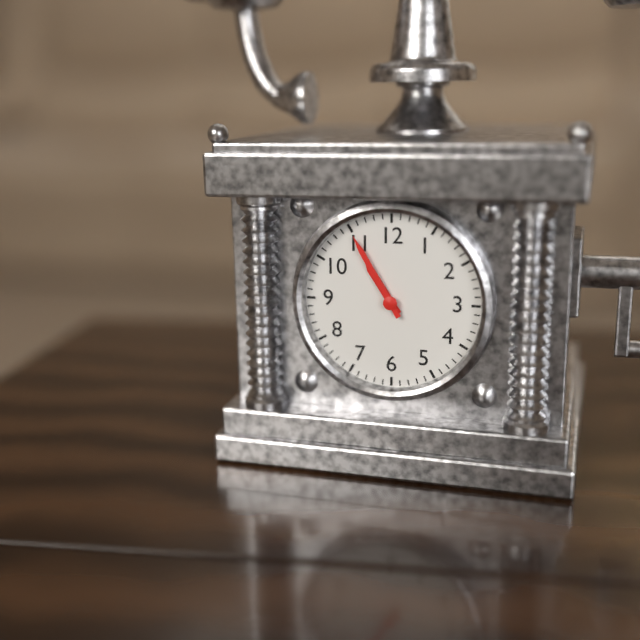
10.55
